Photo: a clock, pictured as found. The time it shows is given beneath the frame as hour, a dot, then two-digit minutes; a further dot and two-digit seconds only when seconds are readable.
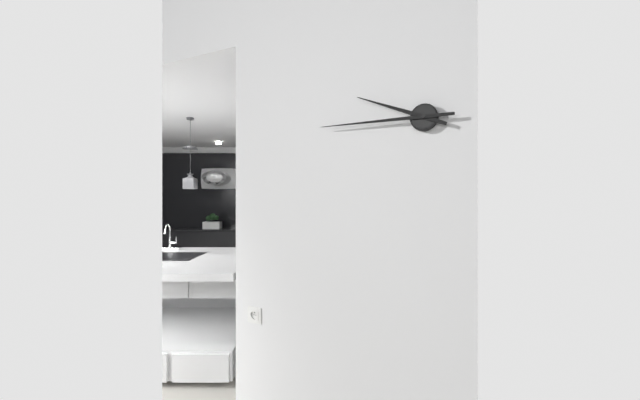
9.45
